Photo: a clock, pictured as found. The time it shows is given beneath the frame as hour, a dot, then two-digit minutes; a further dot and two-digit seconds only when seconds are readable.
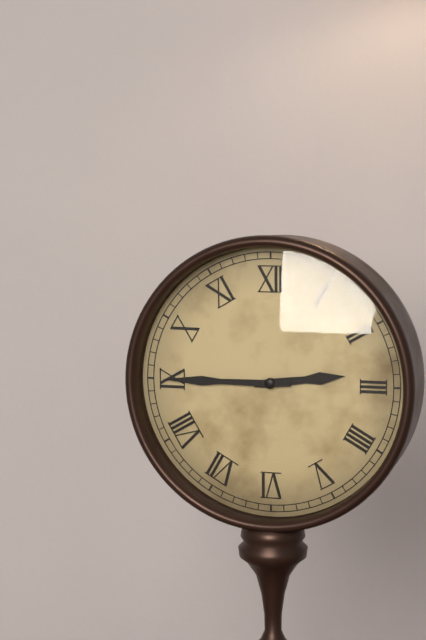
2.45
